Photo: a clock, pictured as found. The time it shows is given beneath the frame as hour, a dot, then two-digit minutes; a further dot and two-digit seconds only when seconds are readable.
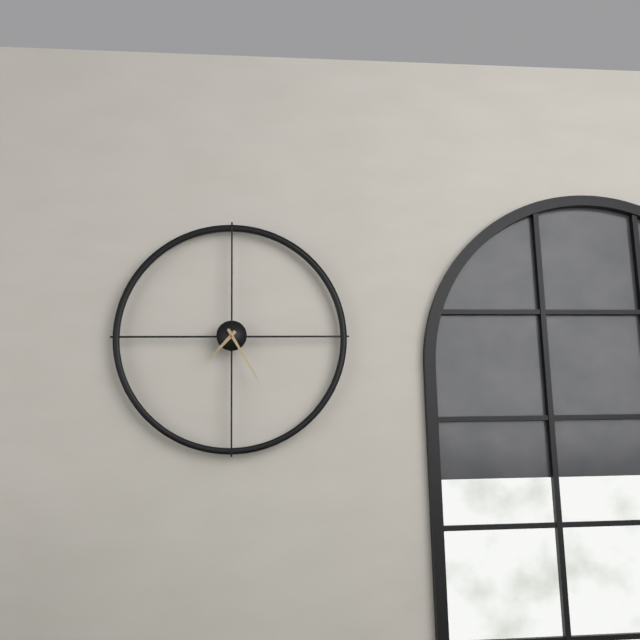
7.25
